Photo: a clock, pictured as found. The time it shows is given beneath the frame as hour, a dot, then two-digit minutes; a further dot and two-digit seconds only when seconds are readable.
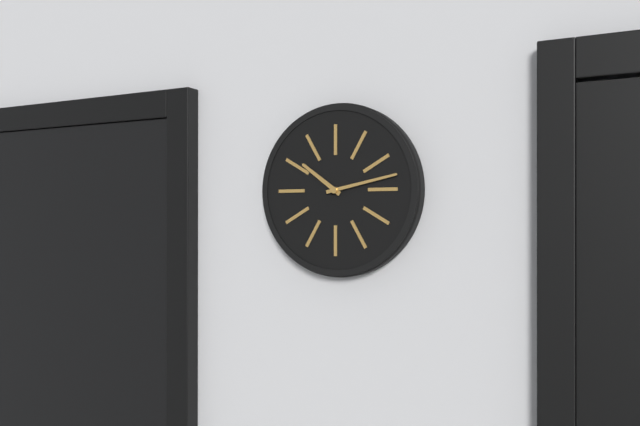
10.13
